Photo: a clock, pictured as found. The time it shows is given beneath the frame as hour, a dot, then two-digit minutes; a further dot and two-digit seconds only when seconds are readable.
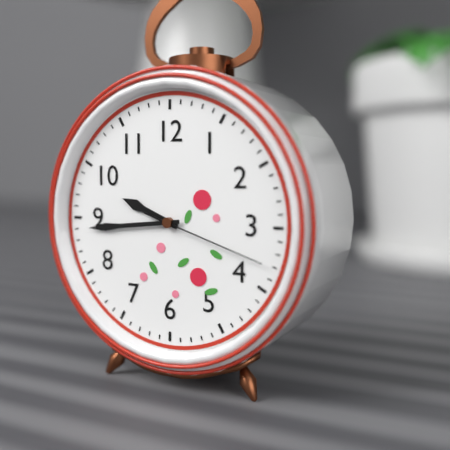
9.44.18
